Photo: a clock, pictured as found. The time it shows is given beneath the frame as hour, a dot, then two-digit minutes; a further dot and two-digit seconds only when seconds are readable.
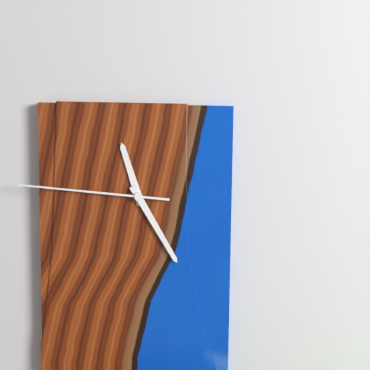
11.25.46
